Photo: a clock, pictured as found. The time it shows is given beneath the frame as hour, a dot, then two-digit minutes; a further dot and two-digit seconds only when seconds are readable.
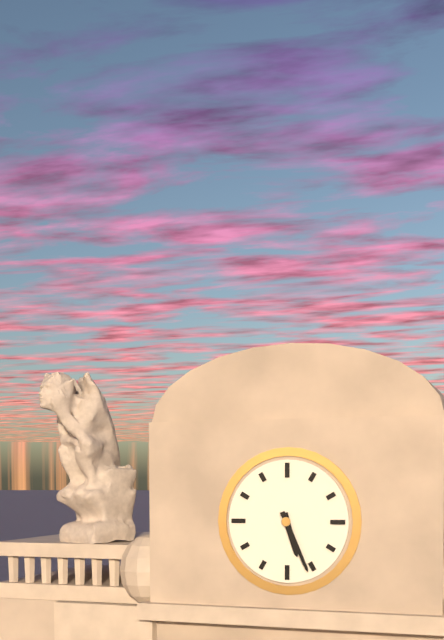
5.26
